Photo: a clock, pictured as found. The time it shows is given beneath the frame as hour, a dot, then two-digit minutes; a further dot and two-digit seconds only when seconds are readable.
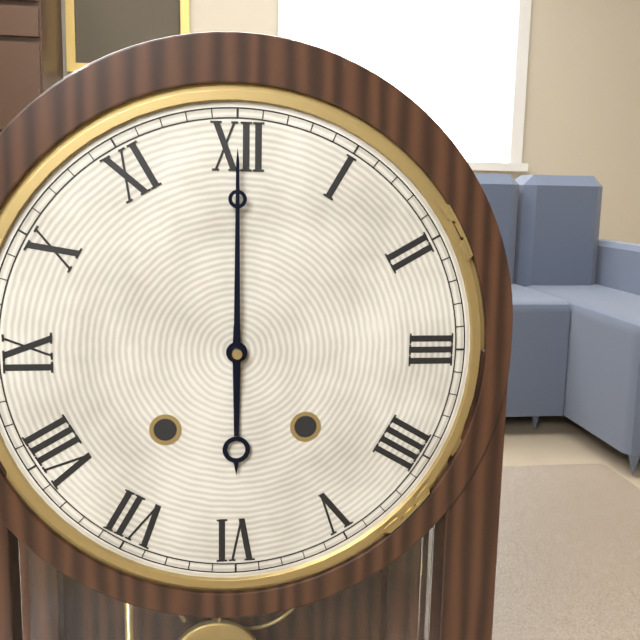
6.00
